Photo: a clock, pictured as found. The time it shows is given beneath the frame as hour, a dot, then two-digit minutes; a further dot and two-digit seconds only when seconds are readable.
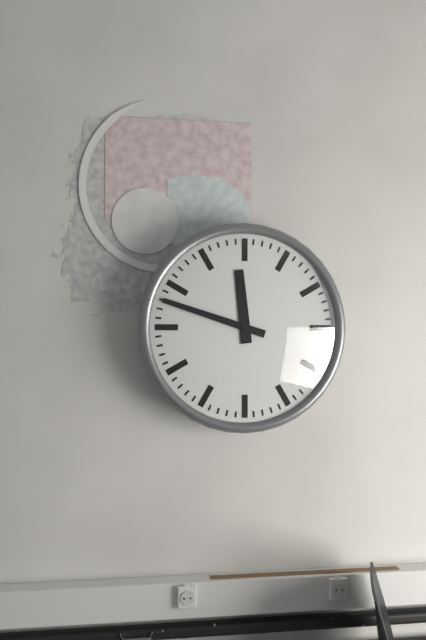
11.48
